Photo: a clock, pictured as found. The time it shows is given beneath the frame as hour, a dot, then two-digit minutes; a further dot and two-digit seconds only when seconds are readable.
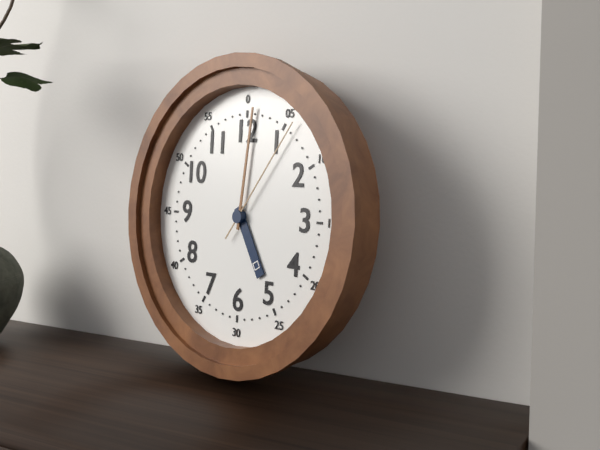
5.01.06
